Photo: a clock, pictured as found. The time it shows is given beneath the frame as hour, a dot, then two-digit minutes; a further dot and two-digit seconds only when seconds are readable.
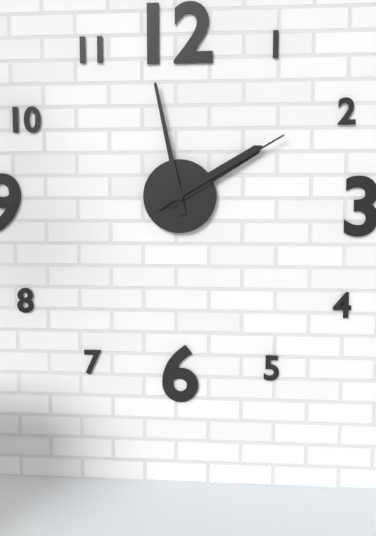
1.58.10
